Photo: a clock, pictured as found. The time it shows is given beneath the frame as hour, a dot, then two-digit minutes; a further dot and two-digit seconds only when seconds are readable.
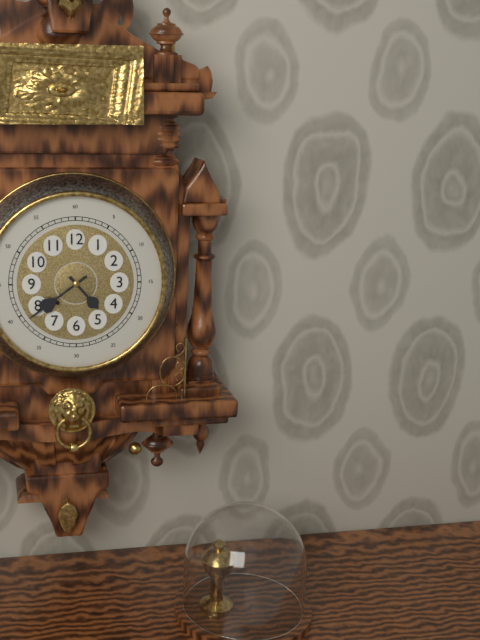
4.39
